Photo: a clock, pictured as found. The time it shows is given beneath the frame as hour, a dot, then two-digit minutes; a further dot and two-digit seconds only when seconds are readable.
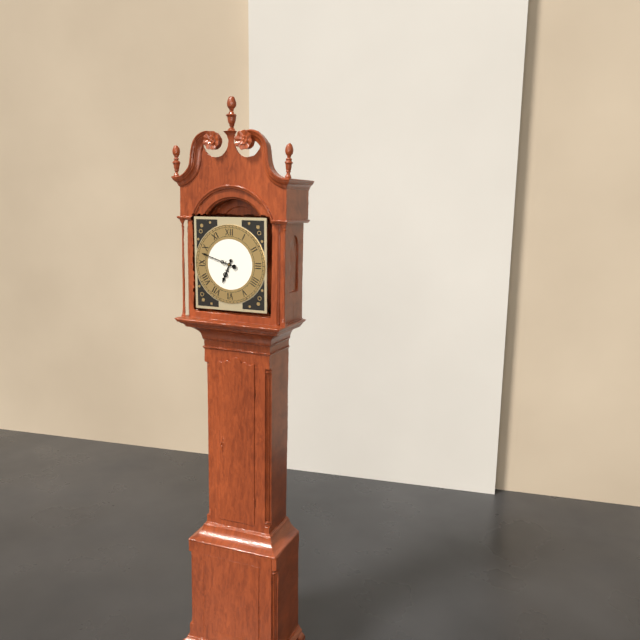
6.48
